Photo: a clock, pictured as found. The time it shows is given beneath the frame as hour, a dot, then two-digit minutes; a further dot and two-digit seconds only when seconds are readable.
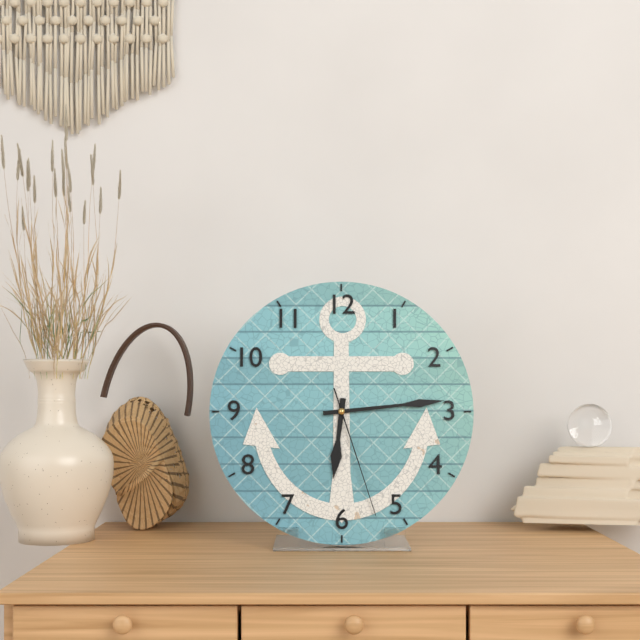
6.14.27
